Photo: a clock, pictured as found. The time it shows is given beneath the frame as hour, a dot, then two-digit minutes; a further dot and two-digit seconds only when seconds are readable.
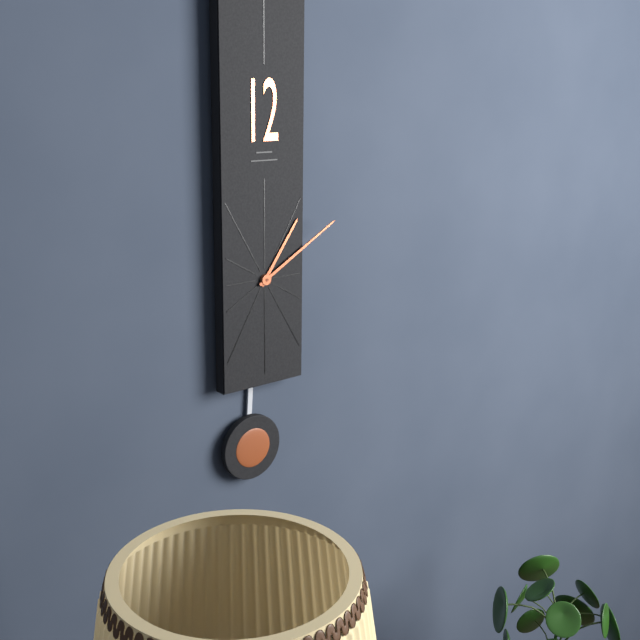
1.10
